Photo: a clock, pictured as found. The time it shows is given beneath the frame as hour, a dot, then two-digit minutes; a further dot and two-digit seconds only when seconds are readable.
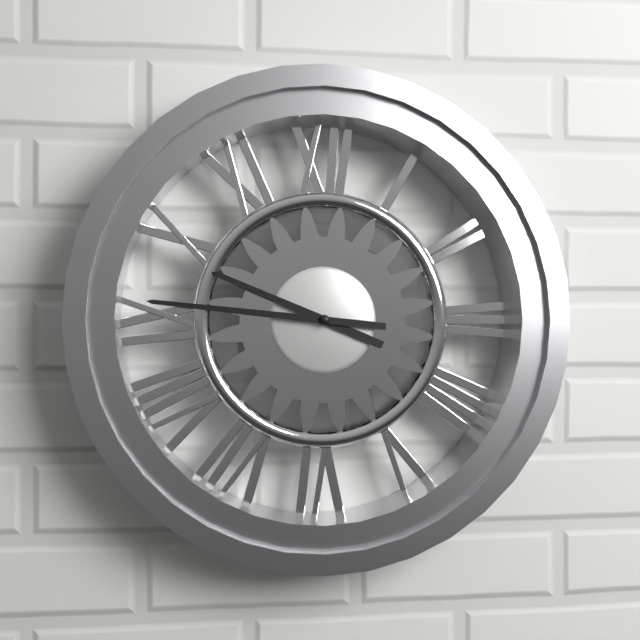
9.46
